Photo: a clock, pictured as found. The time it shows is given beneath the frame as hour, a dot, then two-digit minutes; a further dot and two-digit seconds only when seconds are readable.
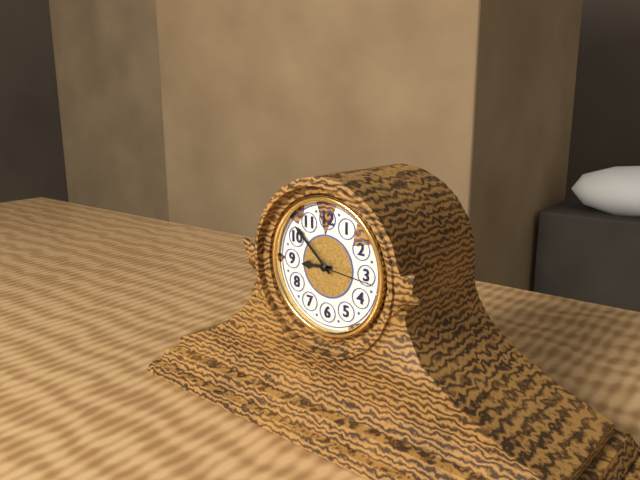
8.52.16
